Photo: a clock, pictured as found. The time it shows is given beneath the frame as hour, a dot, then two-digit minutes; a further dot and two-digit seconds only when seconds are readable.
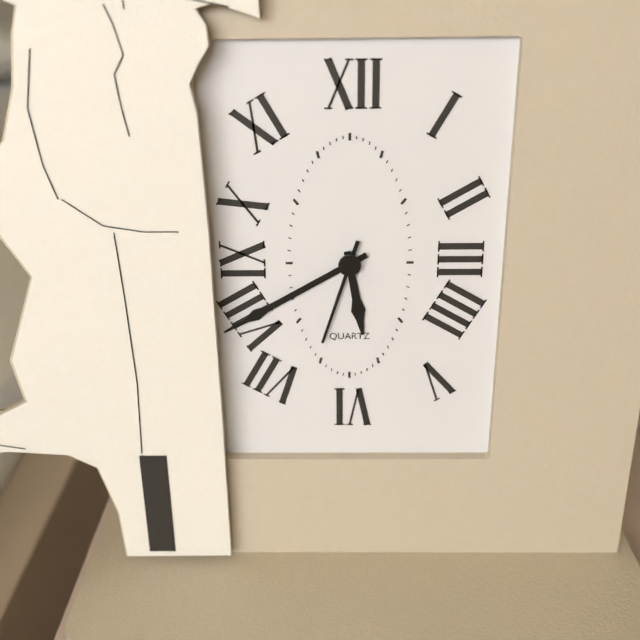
5.40.33
